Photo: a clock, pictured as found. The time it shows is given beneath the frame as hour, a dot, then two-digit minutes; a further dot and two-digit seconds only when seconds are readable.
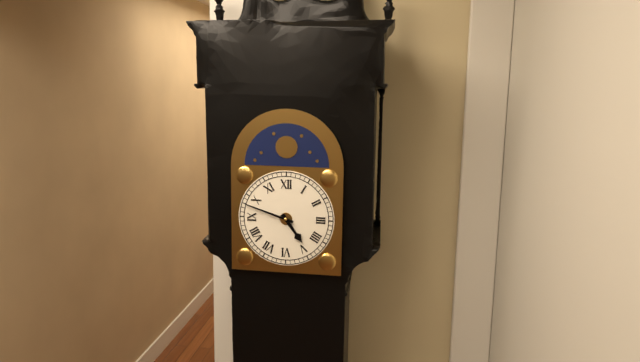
4.48
